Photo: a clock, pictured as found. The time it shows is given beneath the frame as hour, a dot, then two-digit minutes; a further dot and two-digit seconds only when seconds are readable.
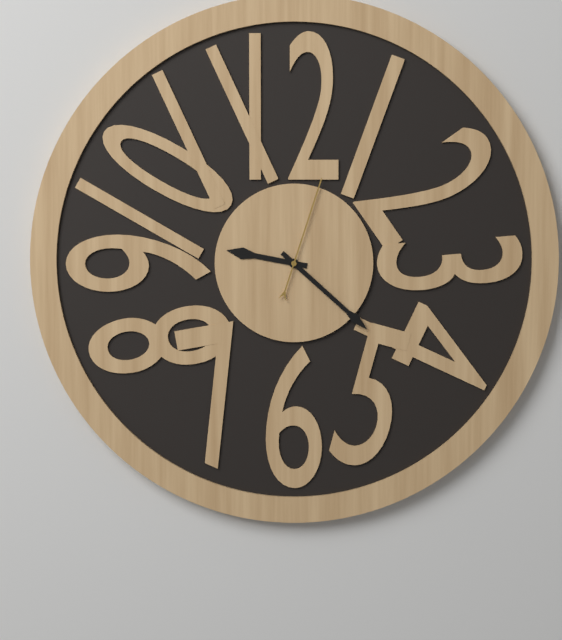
9.22.03
